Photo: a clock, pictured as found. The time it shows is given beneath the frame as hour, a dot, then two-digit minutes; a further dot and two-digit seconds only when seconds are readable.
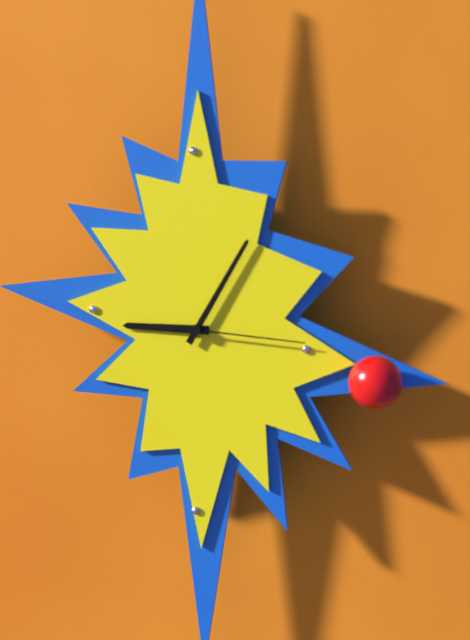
9.05.16
